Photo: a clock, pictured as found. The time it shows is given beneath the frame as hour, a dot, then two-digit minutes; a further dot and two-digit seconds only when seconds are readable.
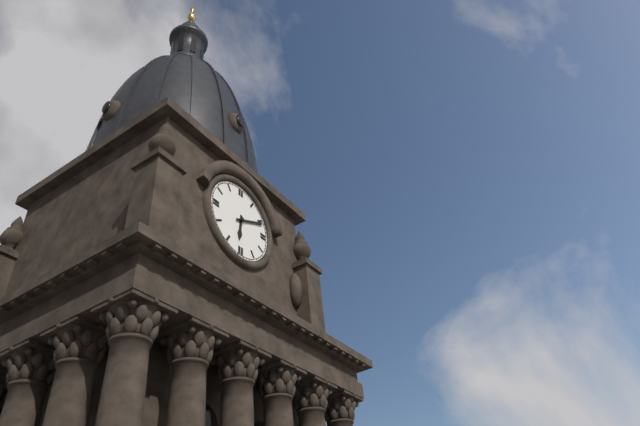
6.11
